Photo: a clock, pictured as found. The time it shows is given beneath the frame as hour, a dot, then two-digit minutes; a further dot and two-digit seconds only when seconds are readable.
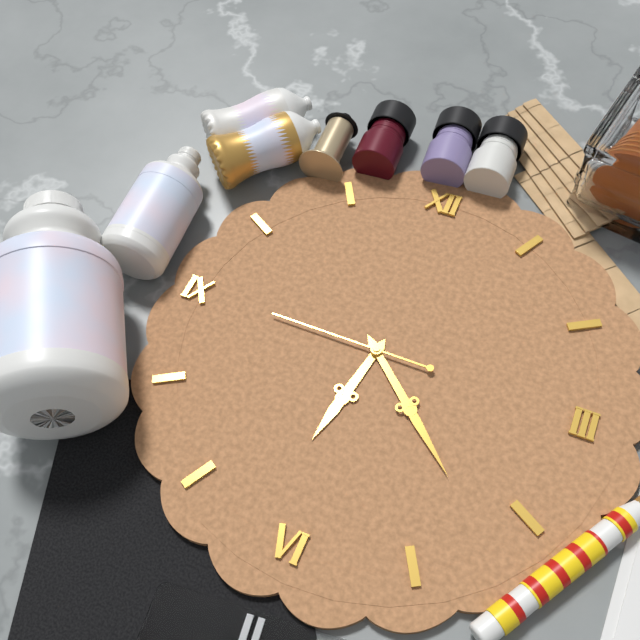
6.22.45
